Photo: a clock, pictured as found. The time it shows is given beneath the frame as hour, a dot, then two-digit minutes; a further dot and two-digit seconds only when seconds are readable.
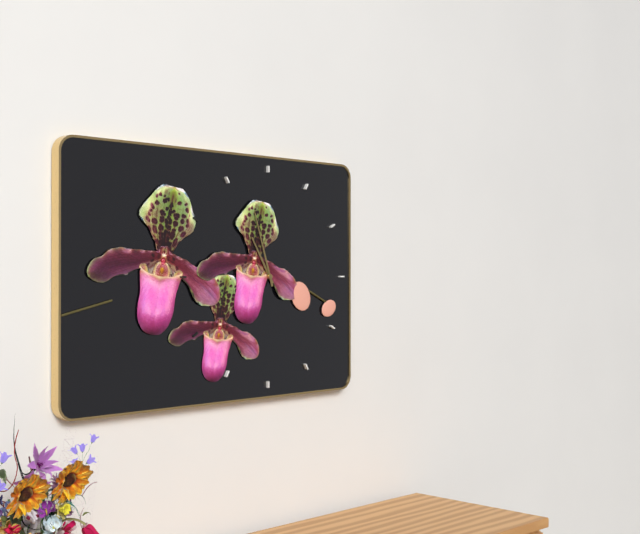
10.57
